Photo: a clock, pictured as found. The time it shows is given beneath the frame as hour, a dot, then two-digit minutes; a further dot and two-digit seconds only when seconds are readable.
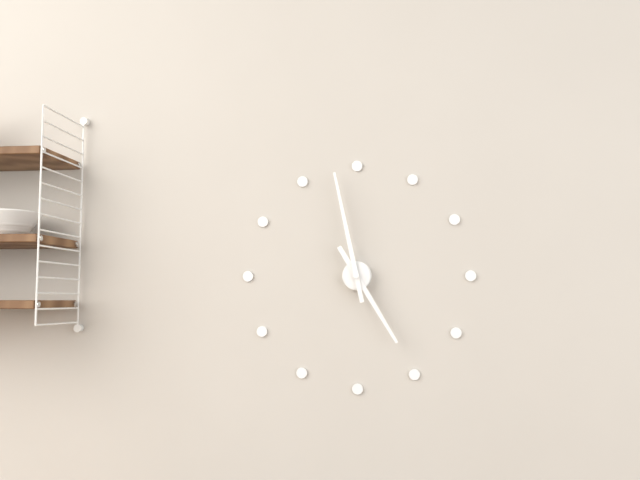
4.58
